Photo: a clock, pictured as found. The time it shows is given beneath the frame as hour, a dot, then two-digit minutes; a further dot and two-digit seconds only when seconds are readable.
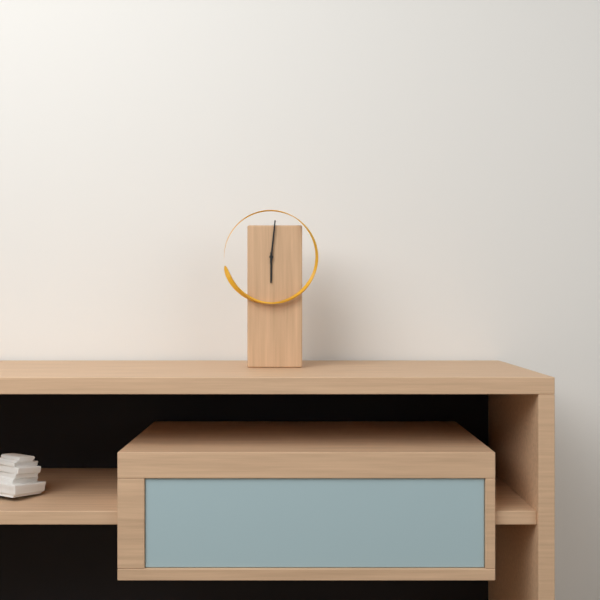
6.01
